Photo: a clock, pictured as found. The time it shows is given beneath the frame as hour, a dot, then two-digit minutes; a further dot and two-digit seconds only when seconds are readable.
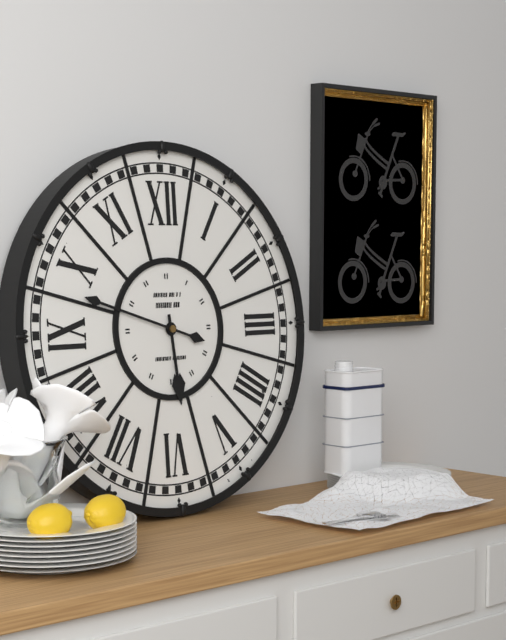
5.48
